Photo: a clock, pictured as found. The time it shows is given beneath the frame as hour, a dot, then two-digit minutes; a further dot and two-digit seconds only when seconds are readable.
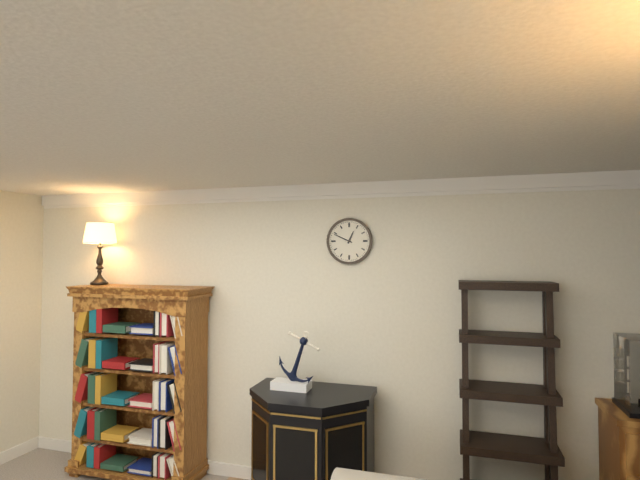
12.49
